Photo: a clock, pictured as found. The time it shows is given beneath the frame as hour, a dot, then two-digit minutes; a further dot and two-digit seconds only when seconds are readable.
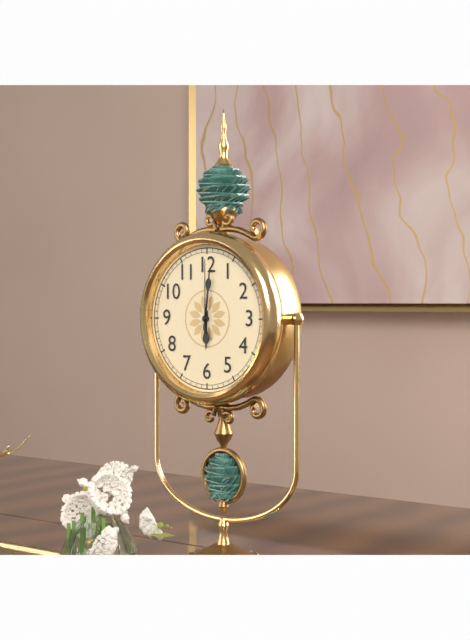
6.01.00
